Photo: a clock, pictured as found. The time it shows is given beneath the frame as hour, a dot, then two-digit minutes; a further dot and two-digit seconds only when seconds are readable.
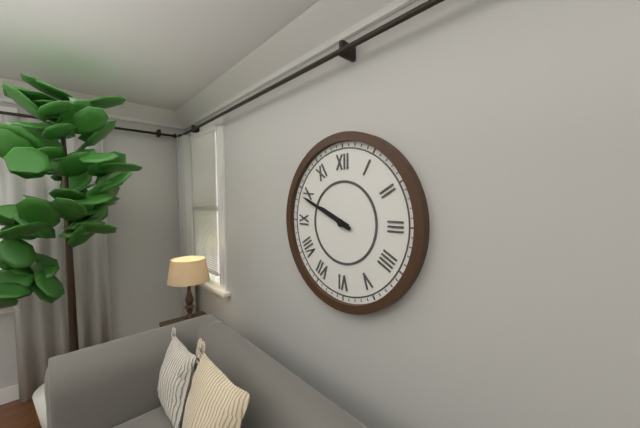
9.49
